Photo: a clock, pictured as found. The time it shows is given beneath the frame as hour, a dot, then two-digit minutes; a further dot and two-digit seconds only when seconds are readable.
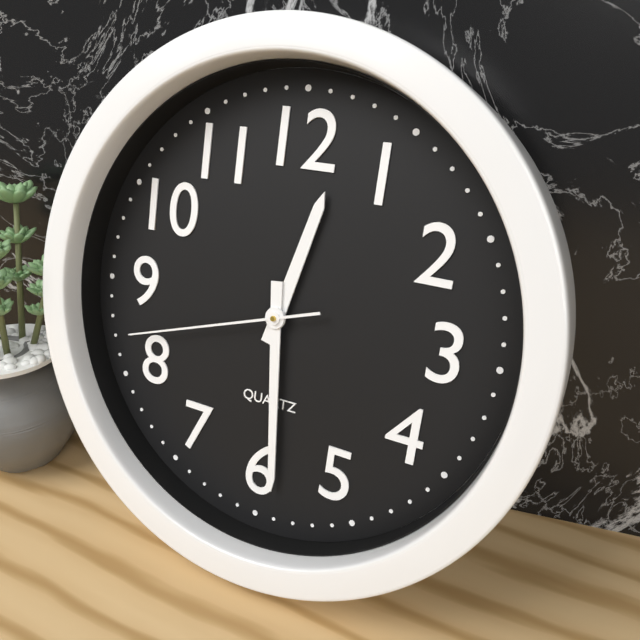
12.29.42
